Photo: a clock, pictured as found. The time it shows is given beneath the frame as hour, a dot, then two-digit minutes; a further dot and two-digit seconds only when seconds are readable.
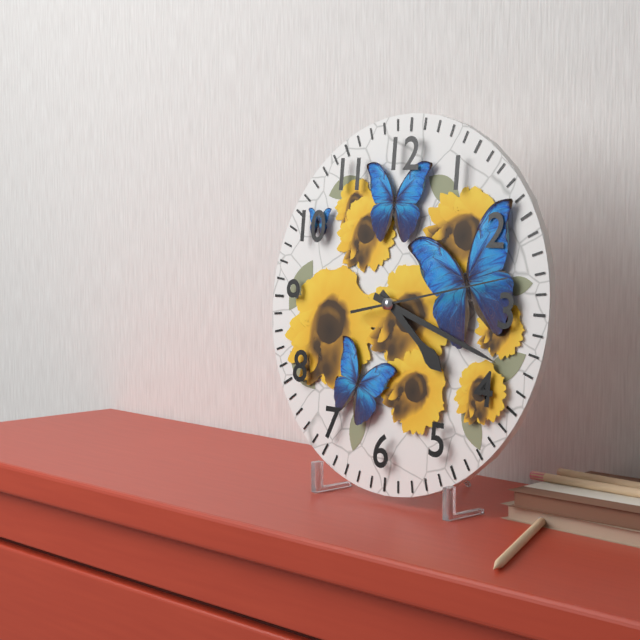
4.18.13
